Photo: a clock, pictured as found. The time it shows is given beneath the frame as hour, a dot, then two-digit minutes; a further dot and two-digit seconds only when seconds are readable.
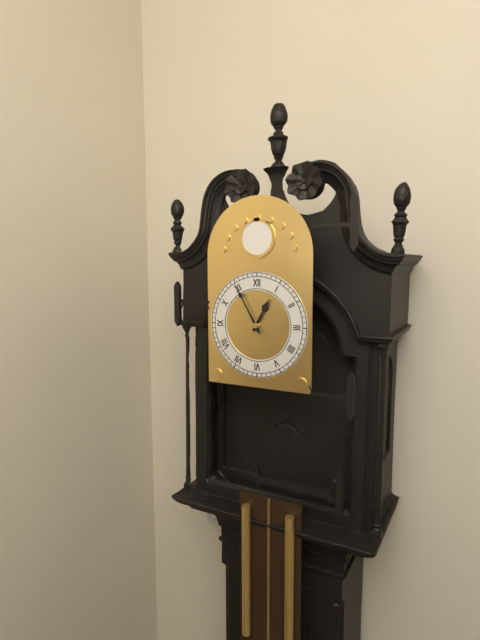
12.55
